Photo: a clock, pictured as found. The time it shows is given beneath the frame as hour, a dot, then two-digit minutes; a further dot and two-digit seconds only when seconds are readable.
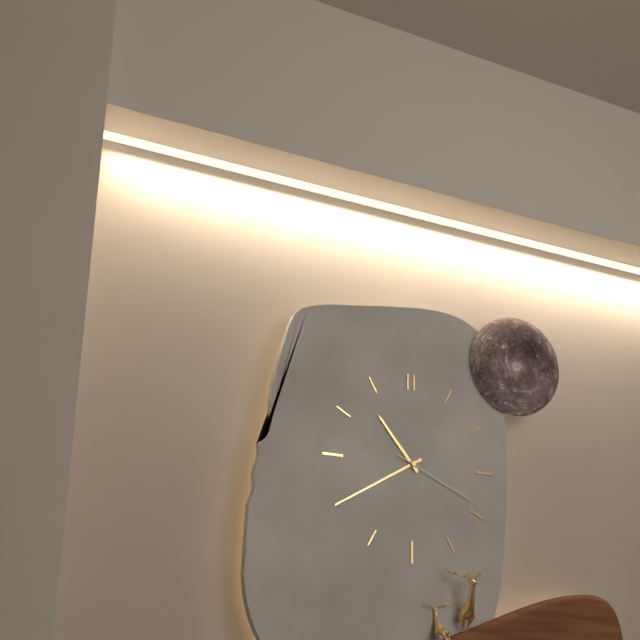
10.40.19
